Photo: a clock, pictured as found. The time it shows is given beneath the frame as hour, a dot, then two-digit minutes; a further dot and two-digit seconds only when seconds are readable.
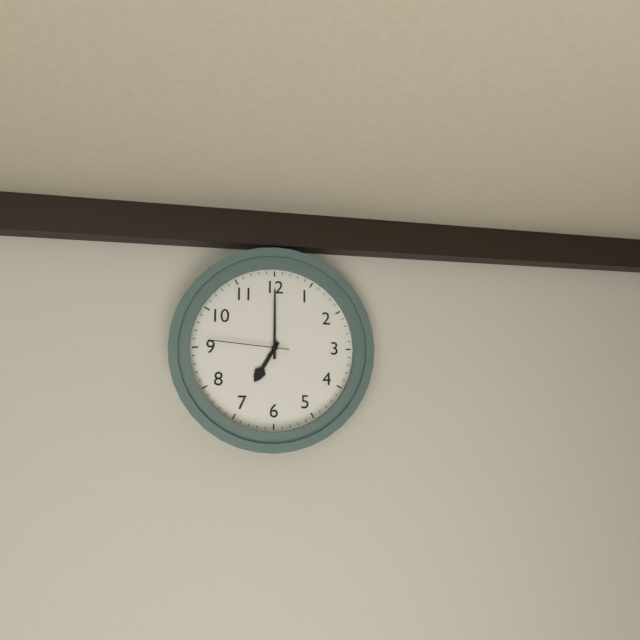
7.00.46
